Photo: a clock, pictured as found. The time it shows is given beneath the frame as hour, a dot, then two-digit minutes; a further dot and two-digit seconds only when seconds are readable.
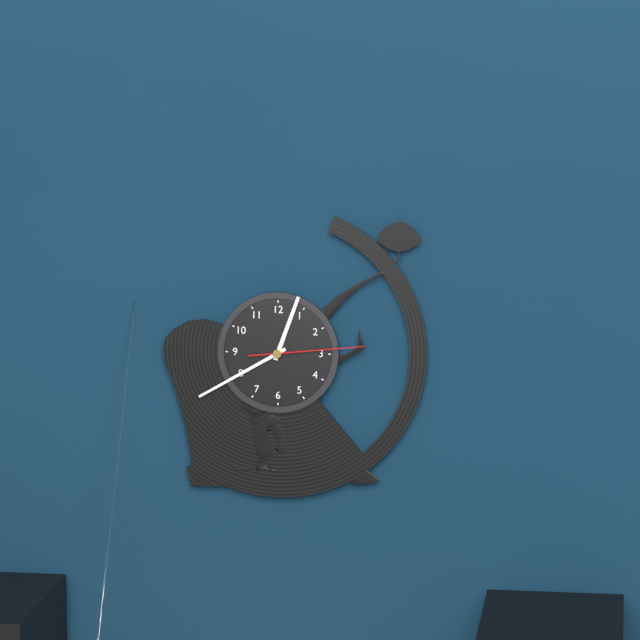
12.40.14
